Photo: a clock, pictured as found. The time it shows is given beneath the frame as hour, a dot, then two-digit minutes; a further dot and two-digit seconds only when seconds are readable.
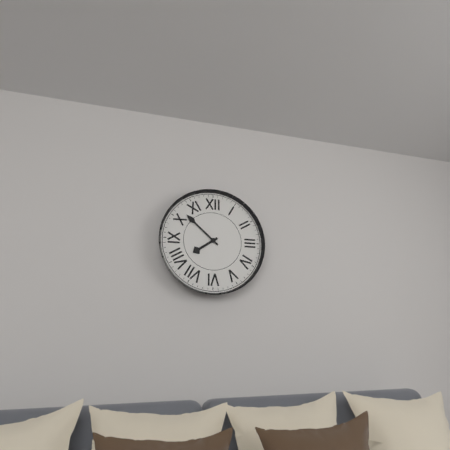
7.52
